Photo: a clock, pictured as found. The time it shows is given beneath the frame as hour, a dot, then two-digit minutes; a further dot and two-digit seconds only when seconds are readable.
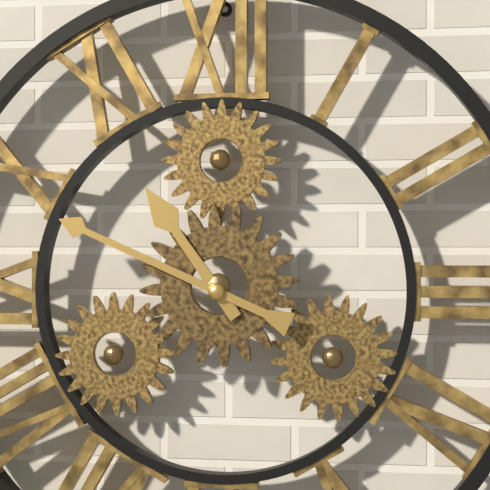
10.49
